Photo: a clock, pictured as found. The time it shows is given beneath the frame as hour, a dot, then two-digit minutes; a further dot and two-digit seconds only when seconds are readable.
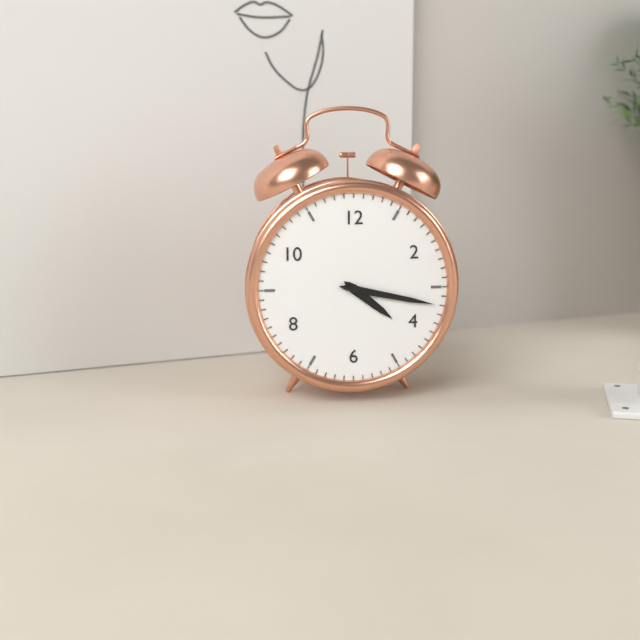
4.17
